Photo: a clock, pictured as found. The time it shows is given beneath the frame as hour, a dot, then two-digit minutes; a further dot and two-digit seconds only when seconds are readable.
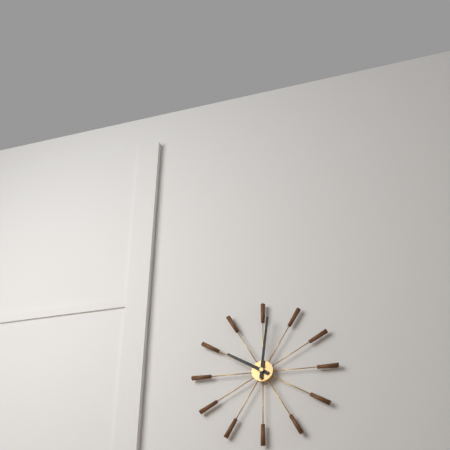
10.01
